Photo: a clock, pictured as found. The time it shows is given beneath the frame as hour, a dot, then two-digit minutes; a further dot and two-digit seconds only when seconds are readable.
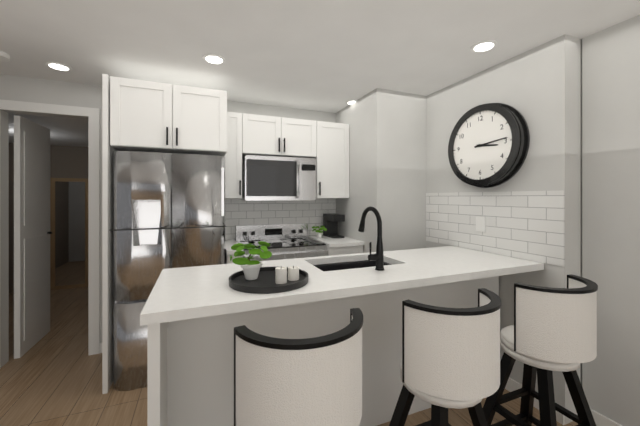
3.14
